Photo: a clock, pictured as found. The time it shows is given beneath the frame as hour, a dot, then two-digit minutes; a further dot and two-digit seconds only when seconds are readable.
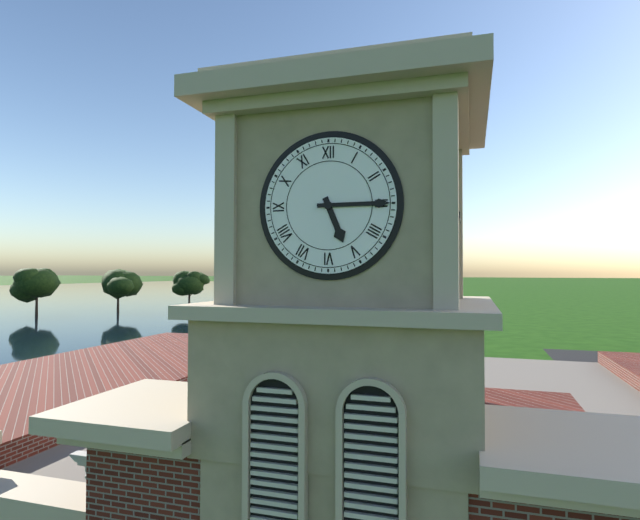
5.15
